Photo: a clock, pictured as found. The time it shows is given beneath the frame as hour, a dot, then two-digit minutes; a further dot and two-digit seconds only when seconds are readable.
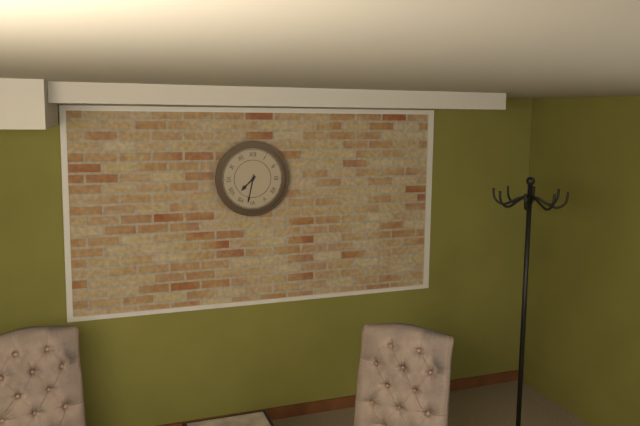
7.32
